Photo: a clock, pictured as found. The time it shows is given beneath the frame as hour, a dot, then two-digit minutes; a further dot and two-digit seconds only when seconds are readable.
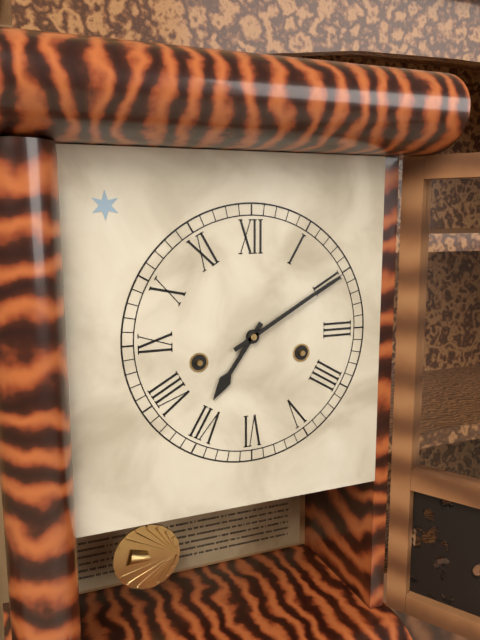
7.10
